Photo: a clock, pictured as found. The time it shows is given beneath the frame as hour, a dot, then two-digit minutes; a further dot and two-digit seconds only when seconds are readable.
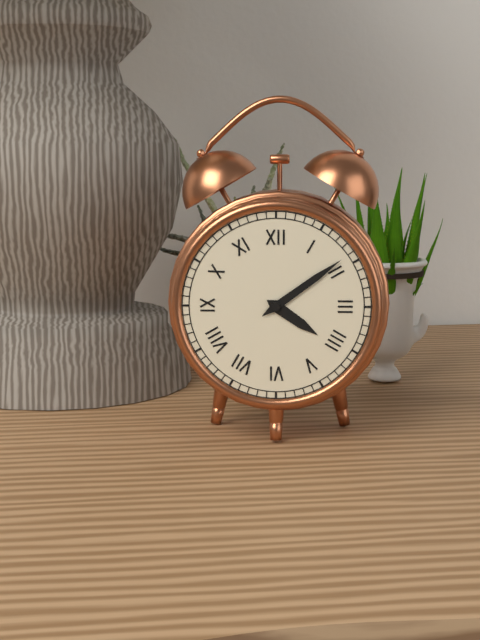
4.09
